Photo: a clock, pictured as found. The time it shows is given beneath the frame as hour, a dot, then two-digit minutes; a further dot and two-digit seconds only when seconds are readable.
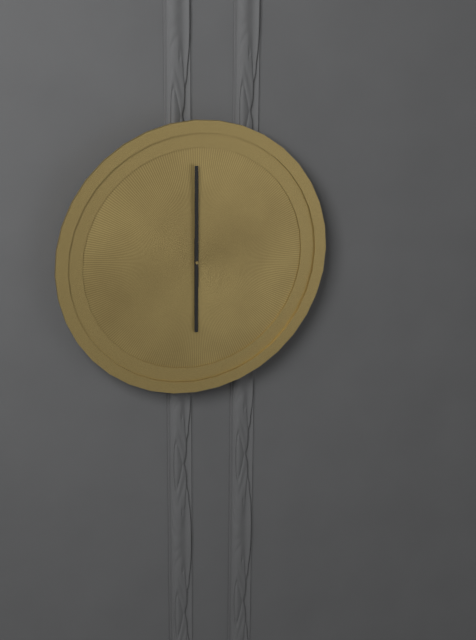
6.00
